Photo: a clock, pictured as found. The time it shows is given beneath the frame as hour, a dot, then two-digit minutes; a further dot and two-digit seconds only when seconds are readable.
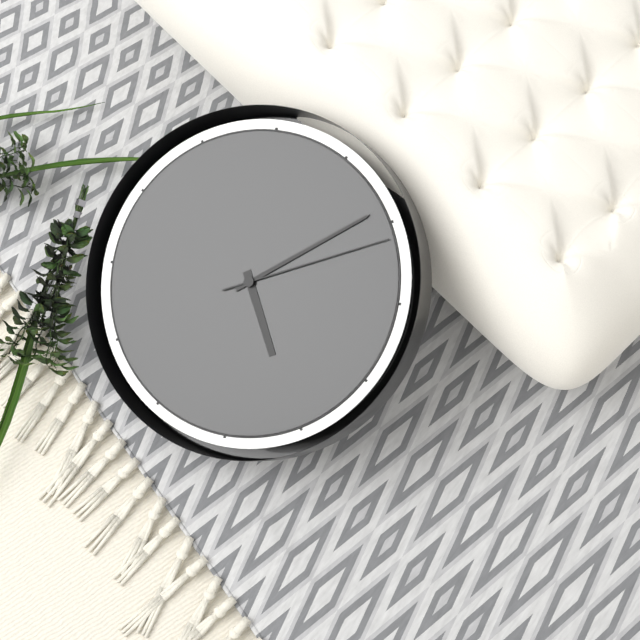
4.04.06
